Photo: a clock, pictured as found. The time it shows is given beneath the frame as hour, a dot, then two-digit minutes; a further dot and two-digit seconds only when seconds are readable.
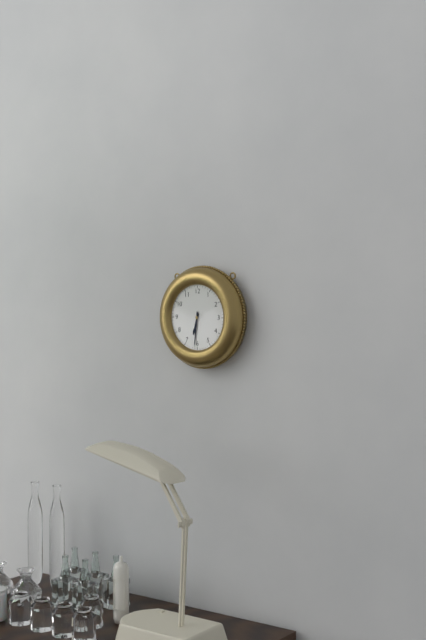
6.31
